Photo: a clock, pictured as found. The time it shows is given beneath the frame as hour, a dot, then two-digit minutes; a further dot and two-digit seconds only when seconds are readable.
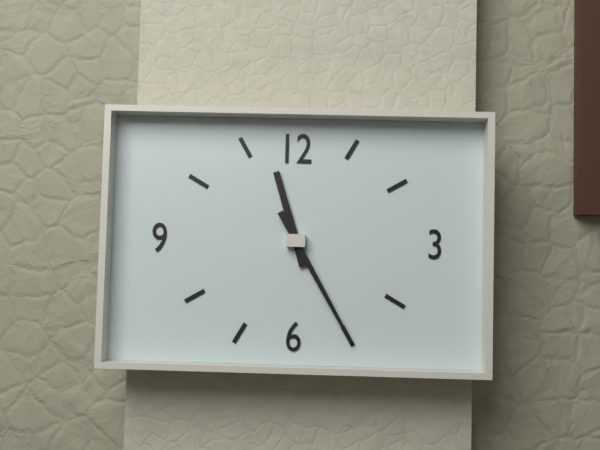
11.25
